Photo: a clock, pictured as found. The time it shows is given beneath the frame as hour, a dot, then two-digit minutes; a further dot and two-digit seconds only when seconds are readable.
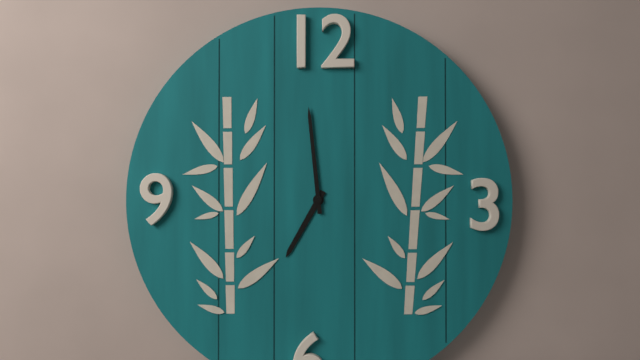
6.59
